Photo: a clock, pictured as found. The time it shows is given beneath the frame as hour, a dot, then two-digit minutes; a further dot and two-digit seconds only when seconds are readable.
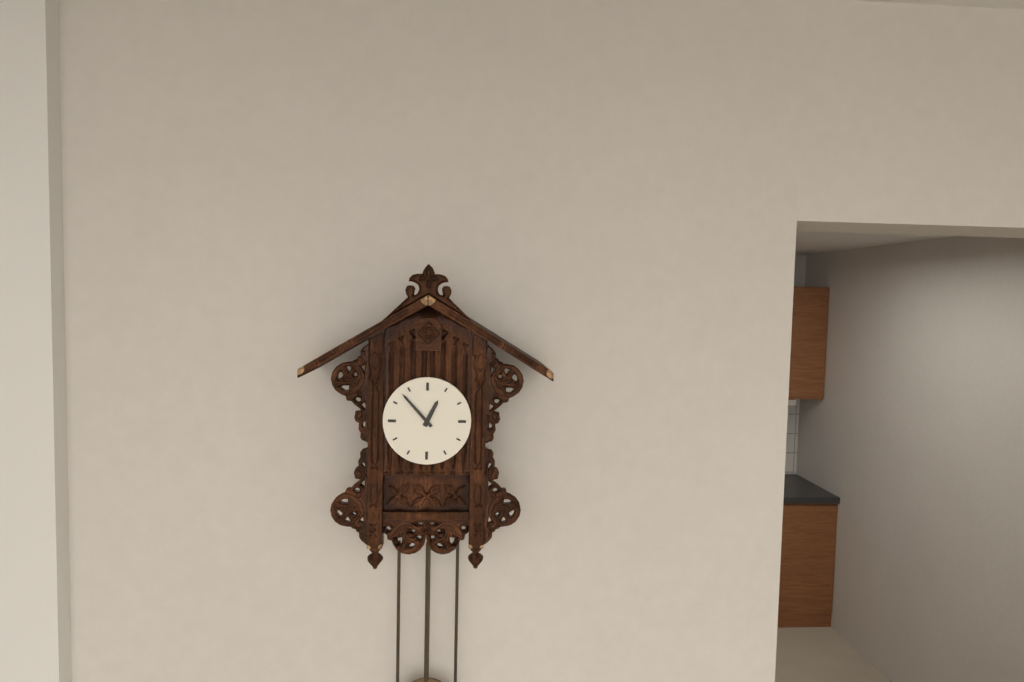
12.53
